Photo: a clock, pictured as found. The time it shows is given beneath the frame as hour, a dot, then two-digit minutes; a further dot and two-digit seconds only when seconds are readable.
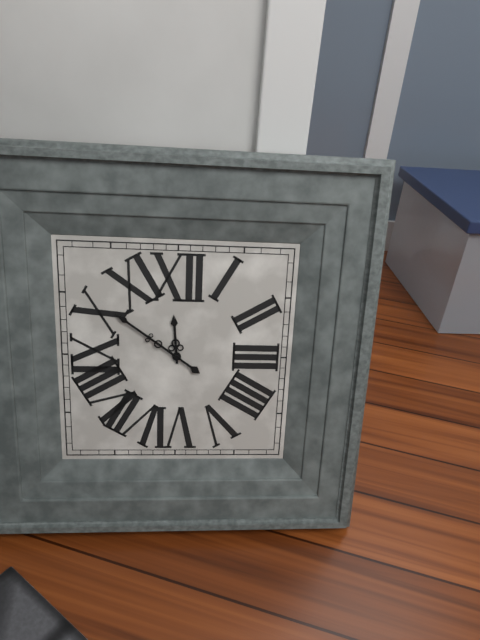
11.51
